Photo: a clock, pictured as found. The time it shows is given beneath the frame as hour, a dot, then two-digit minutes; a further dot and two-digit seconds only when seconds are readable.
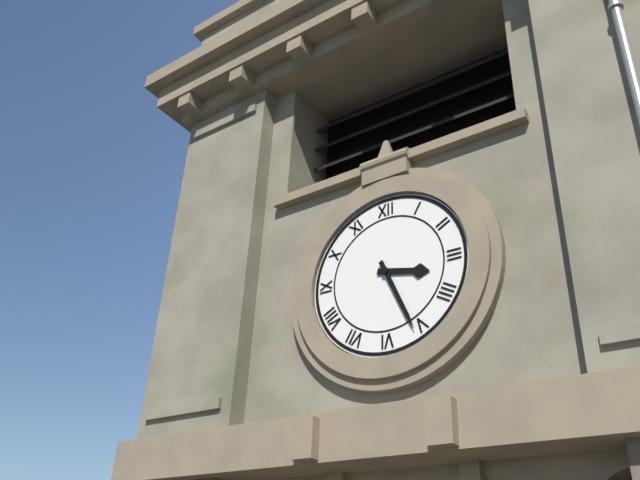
3.26
